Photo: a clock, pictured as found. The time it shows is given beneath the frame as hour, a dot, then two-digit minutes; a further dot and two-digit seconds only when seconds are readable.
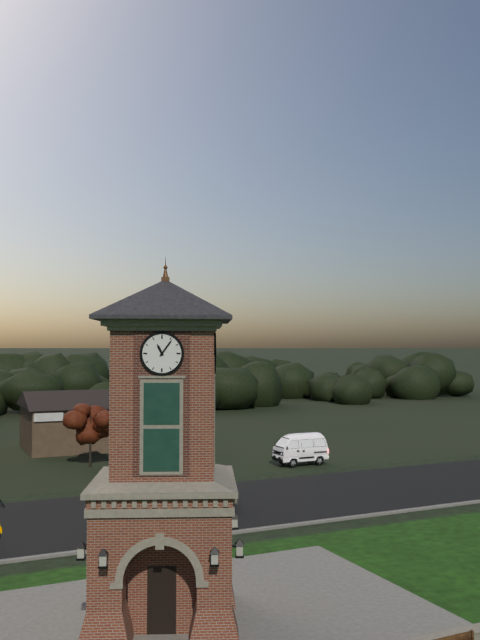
11.06
